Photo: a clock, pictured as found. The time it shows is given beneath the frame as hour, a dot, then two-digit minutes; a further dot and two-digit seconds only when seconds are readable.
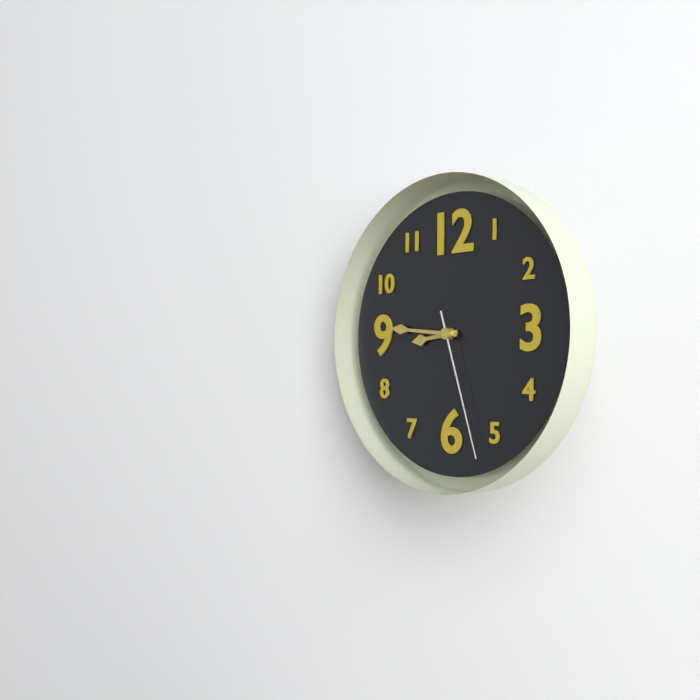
8.46.27
